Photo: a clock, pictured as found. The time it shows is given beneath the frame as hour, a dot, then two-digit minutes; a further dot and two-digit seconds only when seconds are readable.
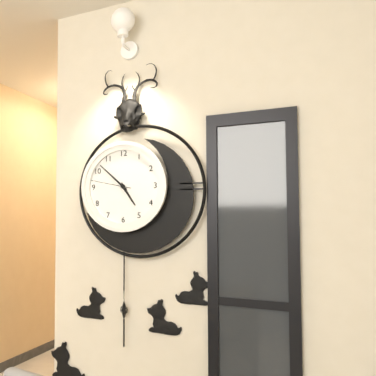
4.52
